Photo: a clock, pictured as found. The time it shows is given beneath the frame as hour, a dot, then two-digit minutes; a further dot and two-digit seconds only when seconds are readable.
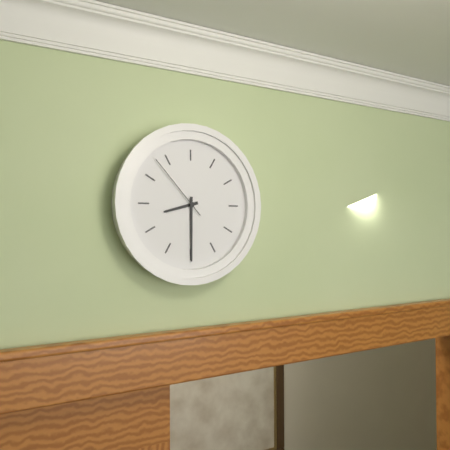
8.30.53
